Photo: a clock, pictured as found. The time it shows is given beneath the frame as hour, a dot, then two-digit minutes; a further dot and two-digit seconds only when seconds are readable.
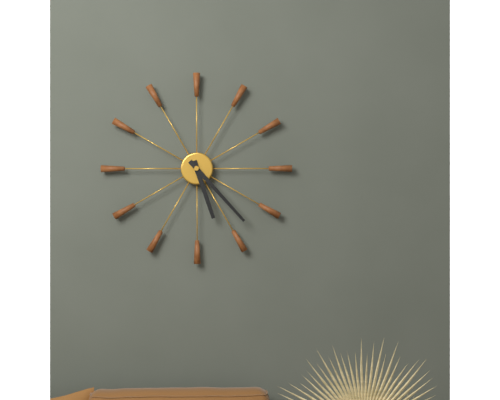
5.23
